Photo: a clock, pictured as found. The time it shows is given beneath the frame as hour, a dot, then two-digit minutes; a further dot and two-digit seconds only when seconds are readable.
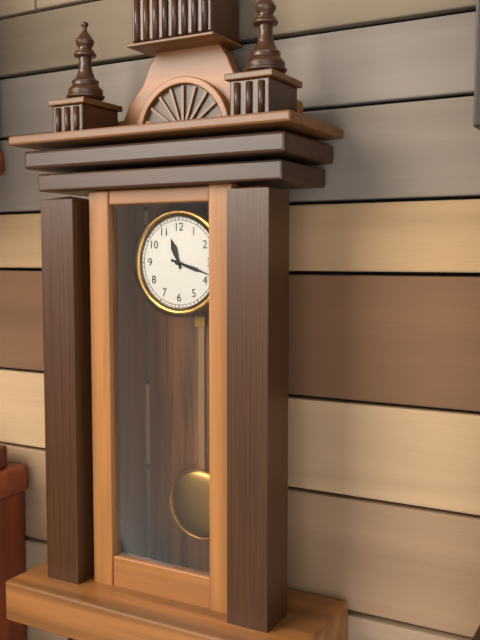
11.18
